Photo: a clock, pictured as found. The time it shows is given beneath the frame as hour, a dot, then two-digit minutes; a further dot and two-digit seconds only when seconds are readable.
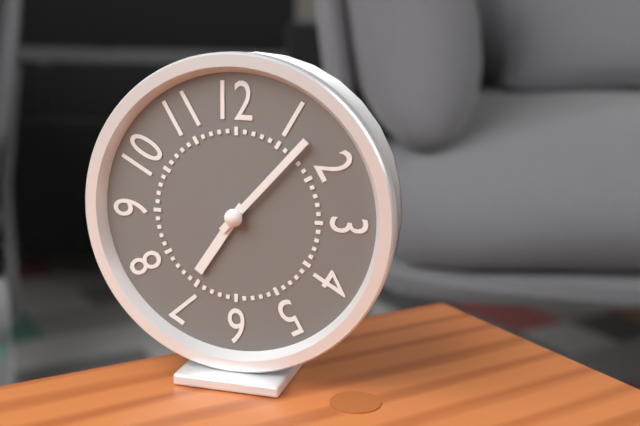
7.07
